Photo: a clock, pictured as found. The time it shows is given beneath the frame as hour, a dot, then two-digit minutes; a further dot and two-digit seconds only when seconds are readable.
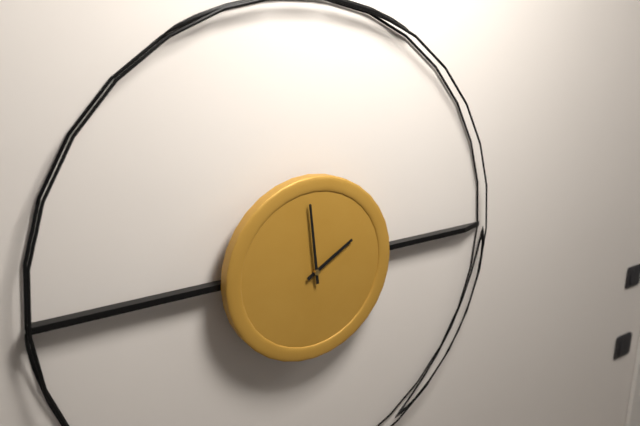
1.59
